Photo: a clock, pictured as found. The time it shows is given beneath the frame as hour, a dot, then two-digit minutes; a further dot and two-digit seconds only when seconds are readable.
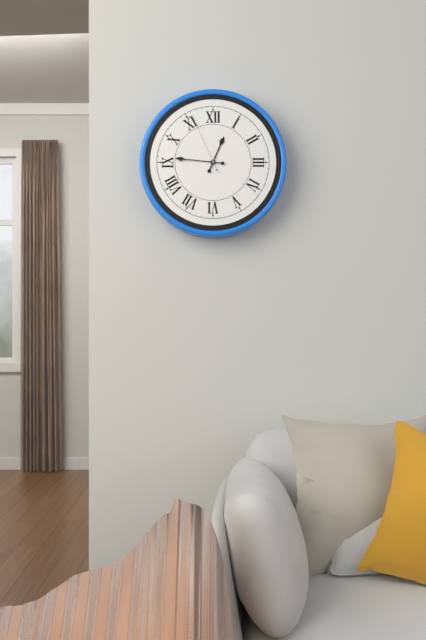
12.46.56
